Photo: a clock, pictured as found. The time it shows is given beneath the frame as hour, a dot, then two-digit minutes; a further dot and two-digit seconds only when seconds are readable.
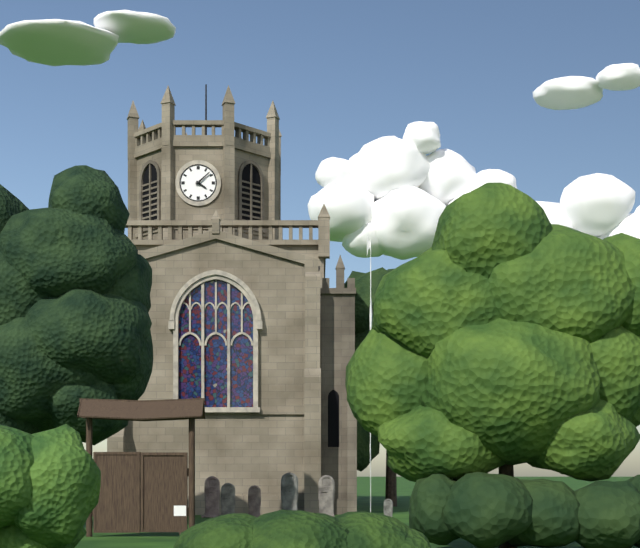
4.08
